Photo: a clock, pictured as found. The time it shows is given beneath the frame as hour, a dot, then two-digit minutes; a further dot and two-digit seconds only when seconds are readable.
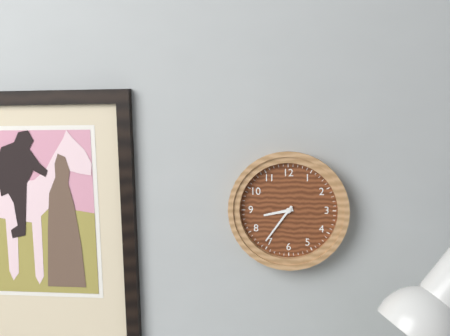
8.36
